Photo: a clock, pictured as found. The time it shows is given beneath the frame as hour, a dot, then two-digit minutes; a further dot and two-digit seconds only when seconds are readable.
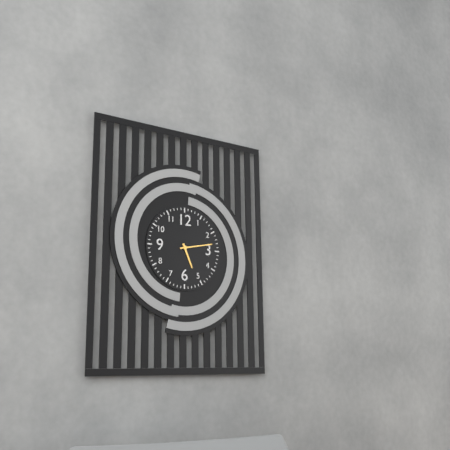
5.13
